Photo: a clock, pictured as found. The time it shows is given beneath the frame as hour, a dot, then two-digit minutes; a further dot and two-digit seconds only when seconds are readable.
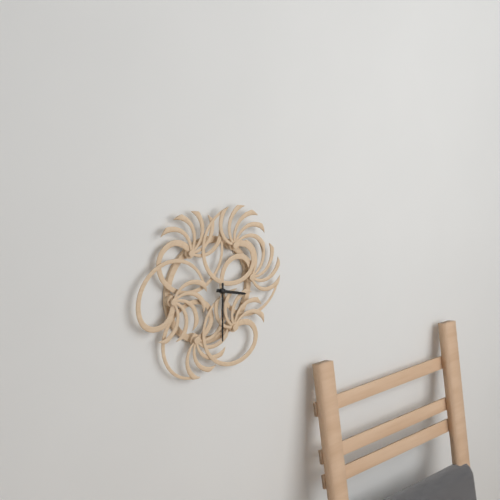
3.30
